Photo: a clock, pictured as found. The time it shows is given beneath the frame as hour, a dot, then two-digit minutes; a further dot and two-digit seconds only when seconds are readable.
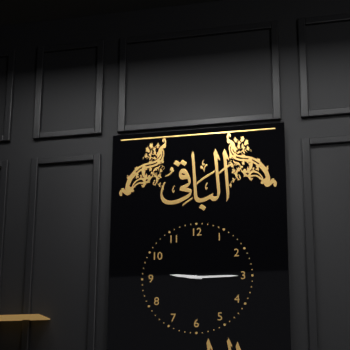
9.15
